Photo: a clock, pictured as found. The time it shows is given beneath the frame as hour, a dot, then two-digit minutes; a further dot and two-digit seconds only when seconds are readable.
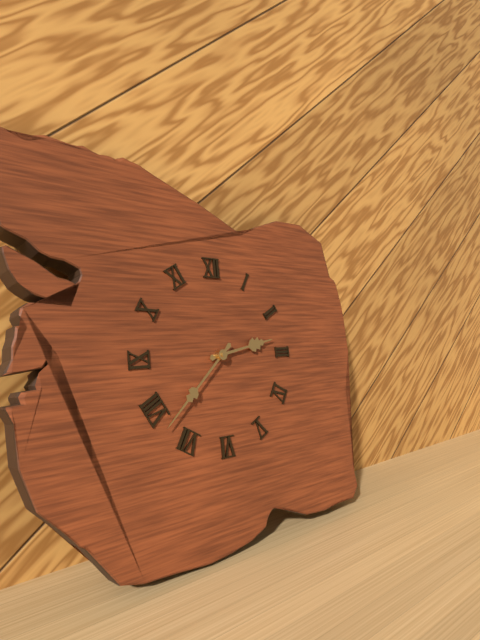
2.38
